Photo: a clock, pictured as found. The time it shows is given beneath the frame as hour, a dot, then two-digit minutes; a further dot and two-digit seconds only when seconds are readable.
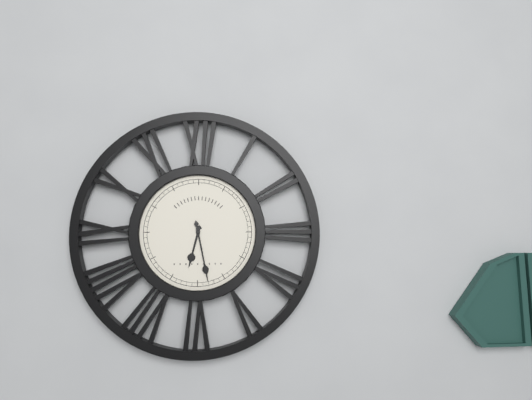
6.28
